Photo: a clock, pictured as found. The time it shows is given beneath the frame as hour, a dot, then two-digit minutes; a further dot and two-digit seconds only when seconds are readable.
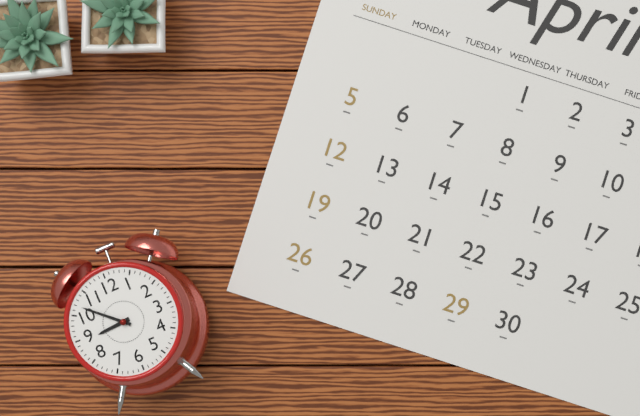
8.52
